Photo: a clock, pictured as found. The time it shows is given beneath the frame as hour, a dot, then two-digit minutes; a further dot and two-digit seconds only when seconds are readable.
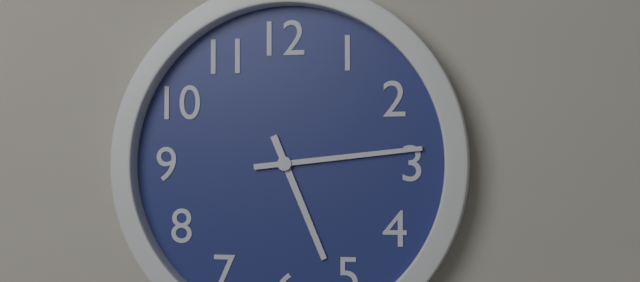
5.14
